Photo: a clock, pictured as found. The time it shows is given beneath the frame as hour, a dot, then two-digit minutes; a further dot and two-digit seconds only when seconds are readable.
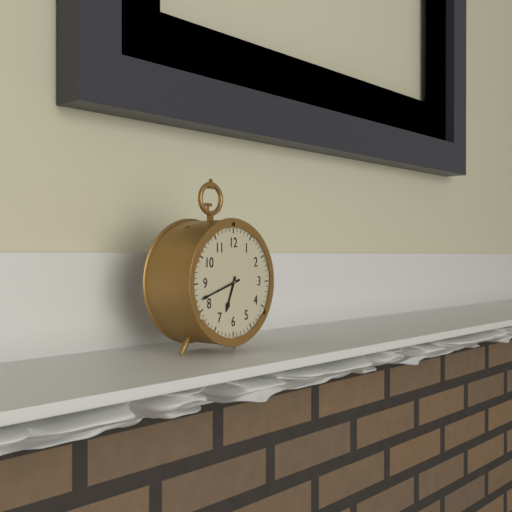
6.42
